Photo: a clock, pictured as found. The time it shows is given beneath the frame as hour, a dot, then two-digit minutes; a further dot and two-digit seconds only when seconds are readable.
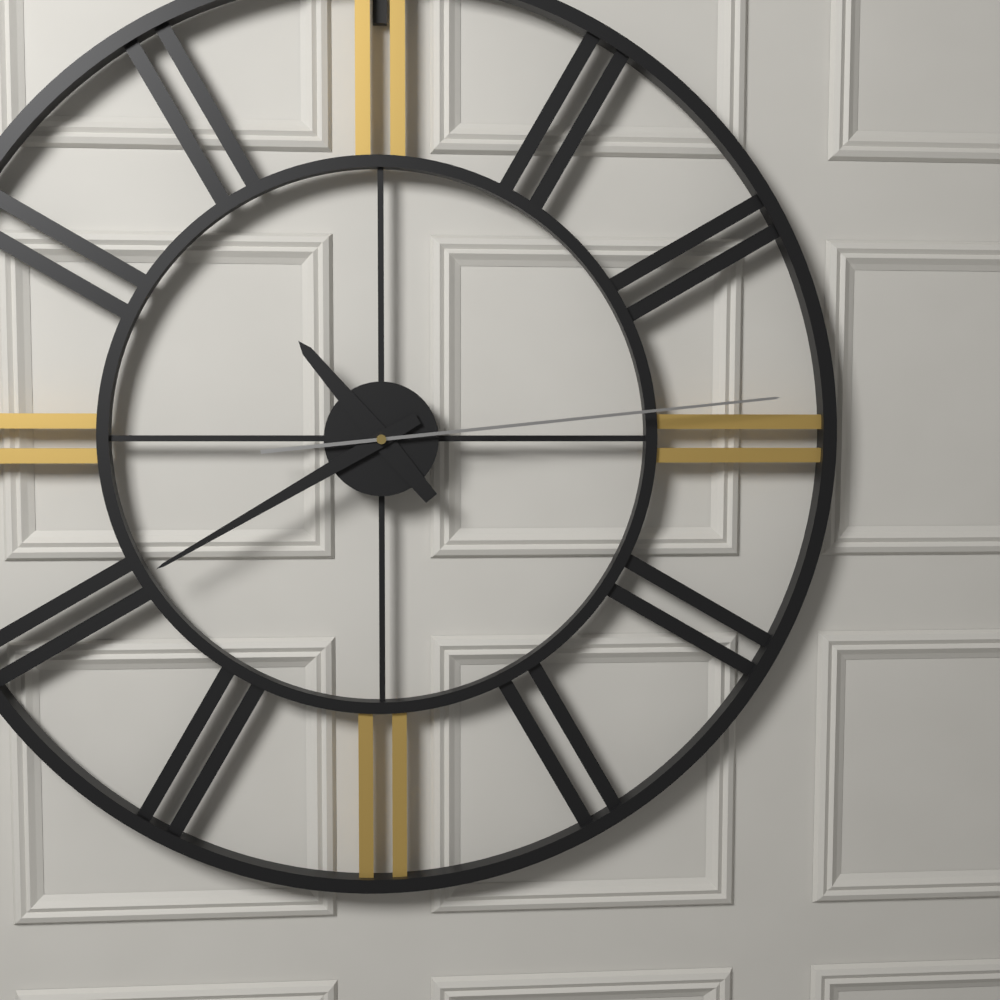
10.40.14
